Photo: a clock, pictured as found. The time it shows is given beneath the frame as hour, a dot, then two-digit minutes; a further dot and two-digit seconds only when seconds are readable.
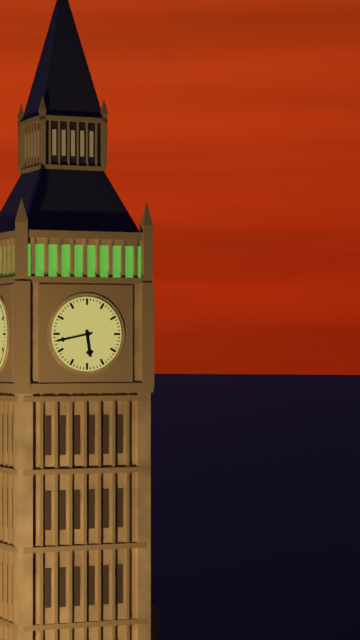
5.43
